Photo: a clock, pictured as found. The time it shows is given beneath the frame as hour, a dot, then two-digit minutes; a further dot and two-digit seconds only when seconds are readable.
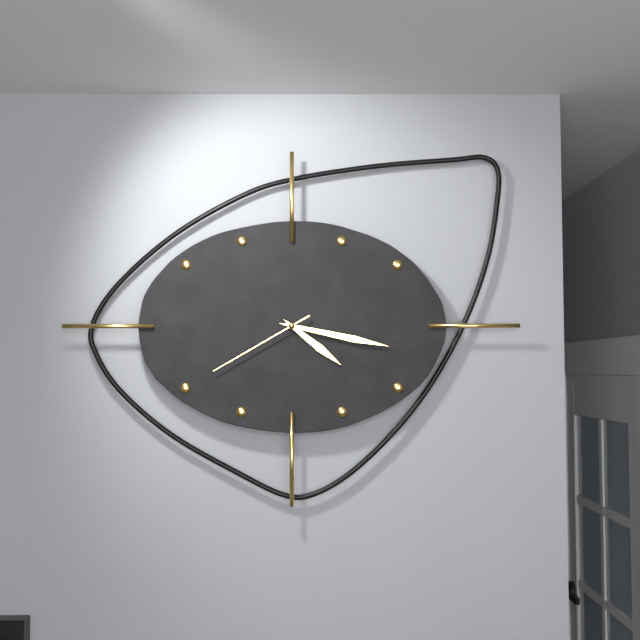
4.17.40
